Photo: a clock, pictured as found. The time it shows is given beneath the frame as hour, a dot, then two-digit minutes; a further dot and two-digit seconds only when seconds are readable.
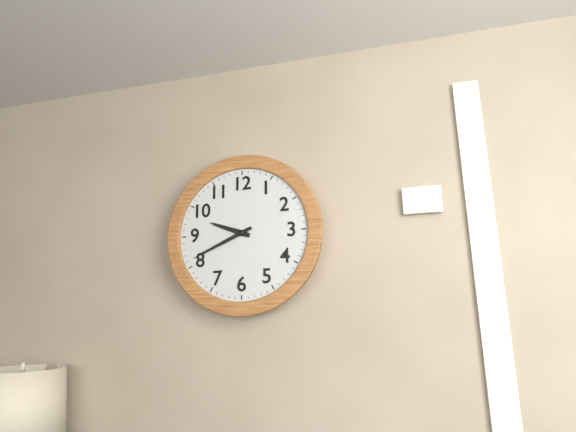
9.41
